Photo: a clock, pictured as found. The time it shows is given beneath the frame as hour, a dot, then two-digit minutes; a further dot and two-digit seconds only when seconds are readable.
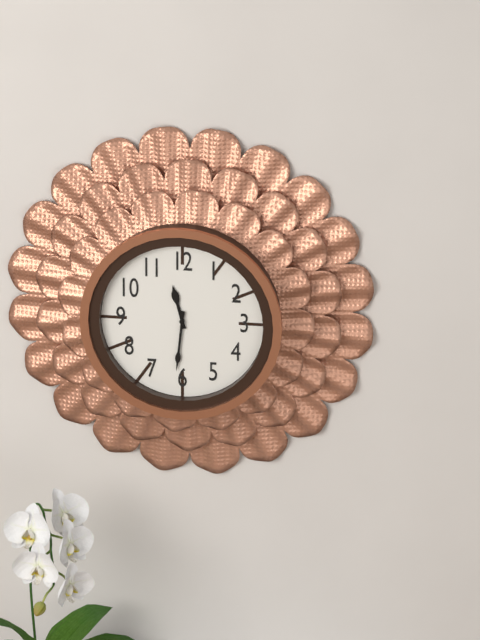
11.31
